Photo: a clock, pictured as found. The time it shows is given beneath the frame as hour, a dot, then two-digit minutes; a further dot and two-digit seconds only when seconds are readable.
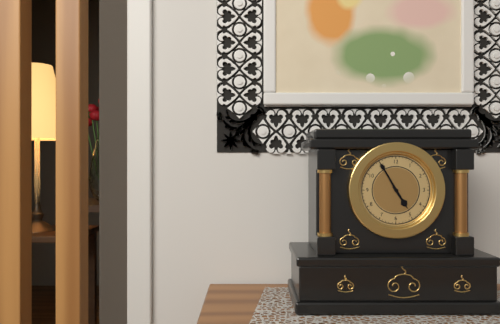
4.55
